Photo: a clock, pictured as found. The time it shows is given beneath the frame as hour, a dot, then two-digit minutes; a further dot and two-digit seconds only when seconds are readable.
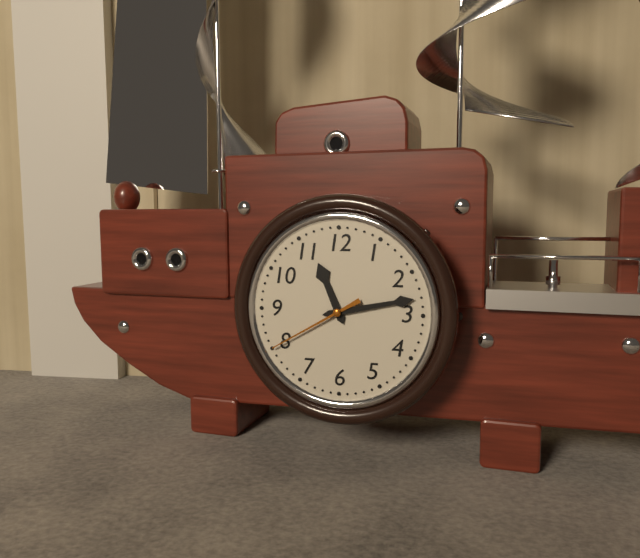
11.13.40
